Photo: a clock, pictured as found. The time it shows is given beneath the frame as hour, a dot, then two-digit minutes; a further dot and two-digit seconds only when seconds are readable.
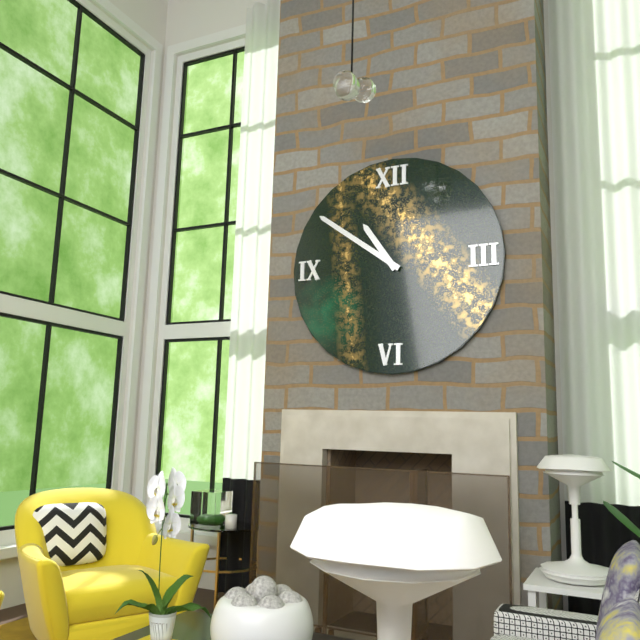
10.51
